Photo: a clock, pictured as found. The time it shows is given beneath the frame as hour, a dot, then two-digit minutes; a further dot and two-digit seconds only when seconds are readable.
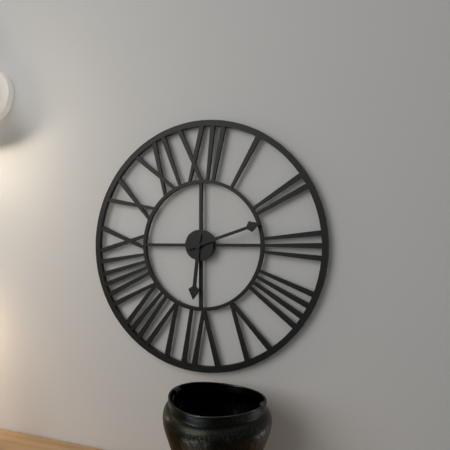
6.12
